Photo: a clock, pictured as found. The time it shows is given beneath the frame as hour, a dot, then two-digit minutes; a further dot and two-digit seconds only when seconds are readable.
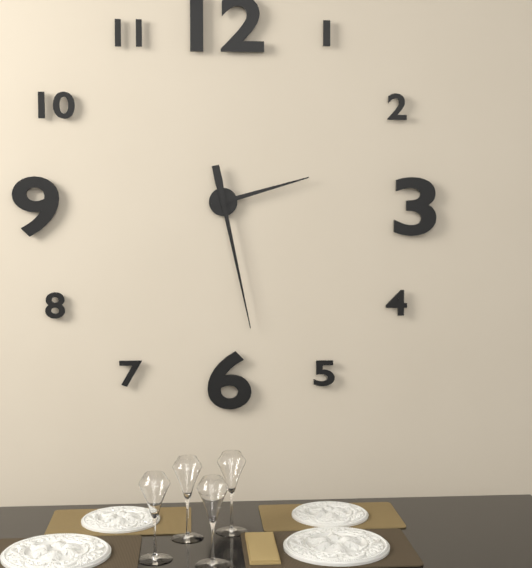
2.28
